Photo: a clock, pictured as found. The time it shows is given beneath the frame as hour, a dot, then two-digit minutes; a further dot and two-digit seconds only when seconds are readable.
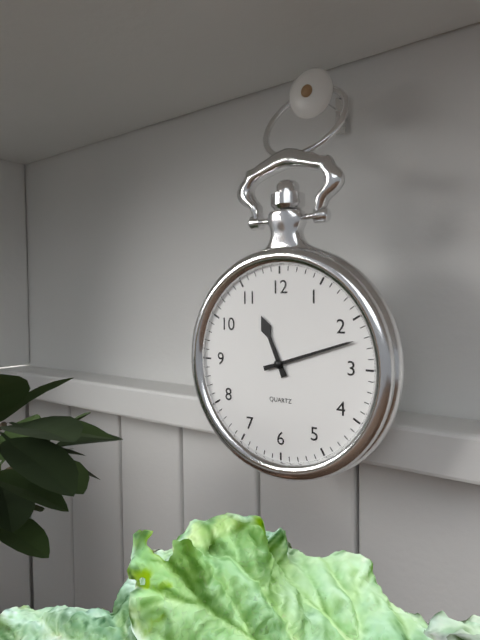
11.12
